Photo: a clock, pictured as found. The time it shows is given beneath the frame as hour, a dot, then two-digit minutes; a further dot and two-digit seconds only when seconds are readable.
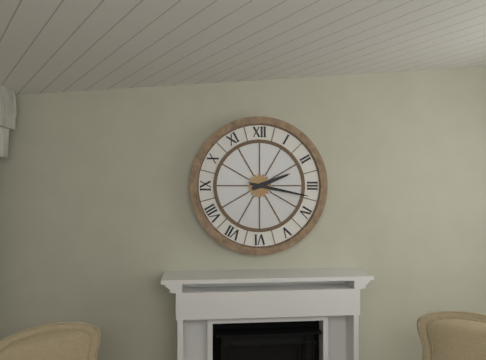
2.17
